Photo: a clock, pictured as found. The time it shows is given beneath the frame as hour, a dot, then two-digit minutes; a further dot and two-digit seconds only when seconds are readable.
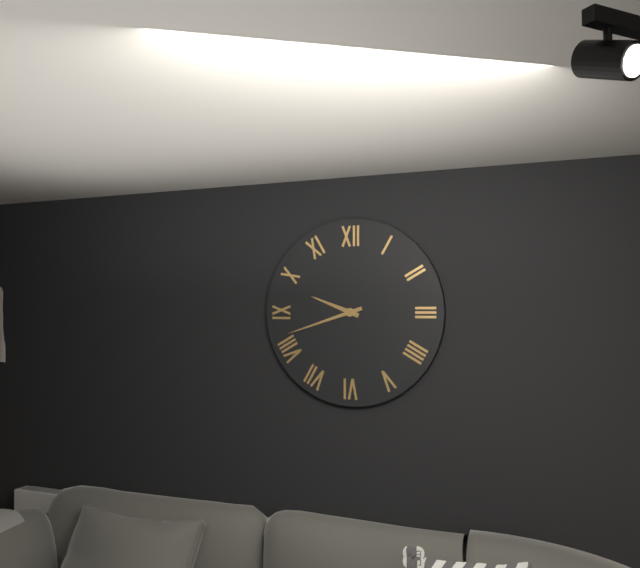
9.42
